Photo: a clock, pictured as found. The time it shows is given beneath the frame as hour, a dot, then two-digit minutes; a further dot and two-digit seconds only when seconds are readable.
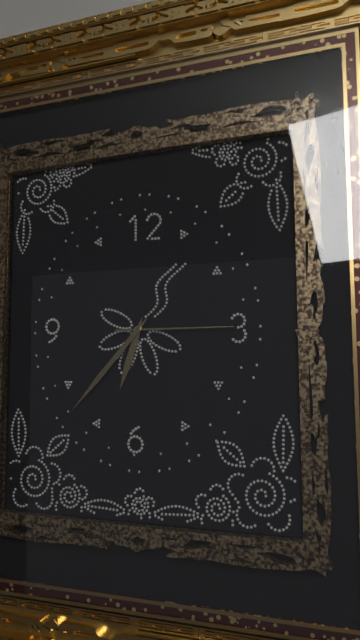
6.37.15
